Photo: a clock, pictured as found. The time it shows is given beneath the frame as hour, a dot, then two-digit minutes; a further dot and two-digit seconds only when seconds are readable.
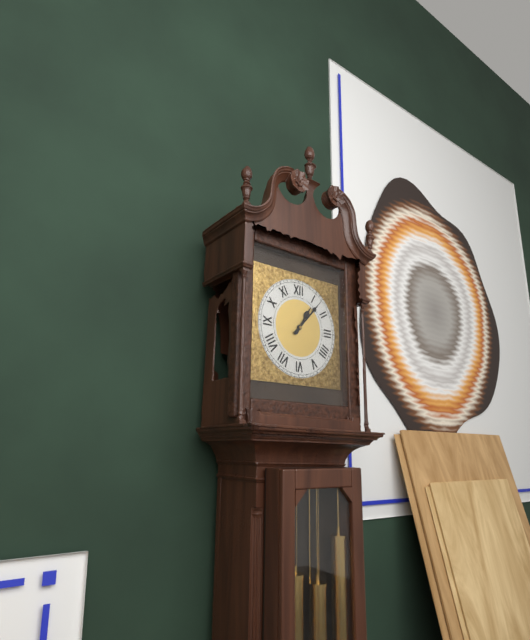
1.07
